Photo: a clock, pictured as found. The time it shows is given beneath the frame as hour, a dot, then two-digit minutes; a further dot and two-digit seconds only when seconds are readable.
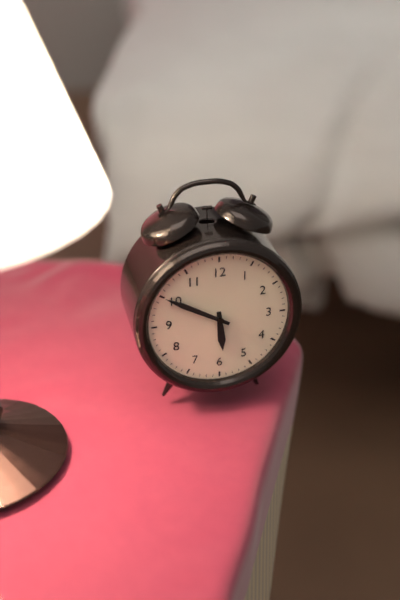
5.50
